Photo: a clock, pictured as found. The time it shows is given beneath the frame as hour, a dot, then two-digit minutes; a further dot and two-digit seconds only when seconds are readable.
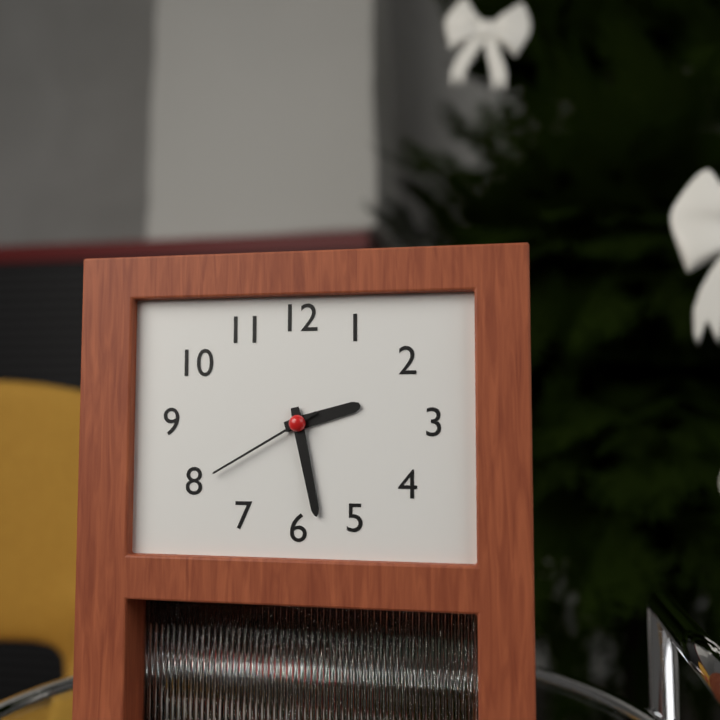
2.28.40
